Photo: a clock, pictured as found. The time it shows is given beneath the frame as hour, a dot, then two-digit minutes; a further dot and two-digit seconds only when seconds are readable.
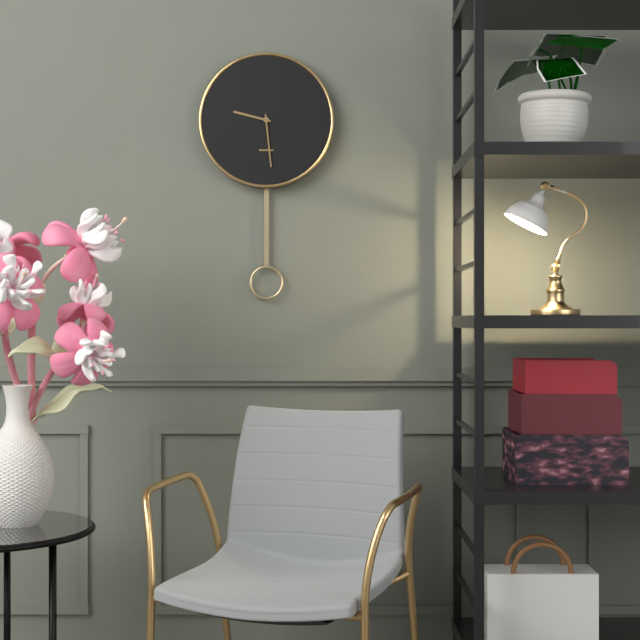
9.29
